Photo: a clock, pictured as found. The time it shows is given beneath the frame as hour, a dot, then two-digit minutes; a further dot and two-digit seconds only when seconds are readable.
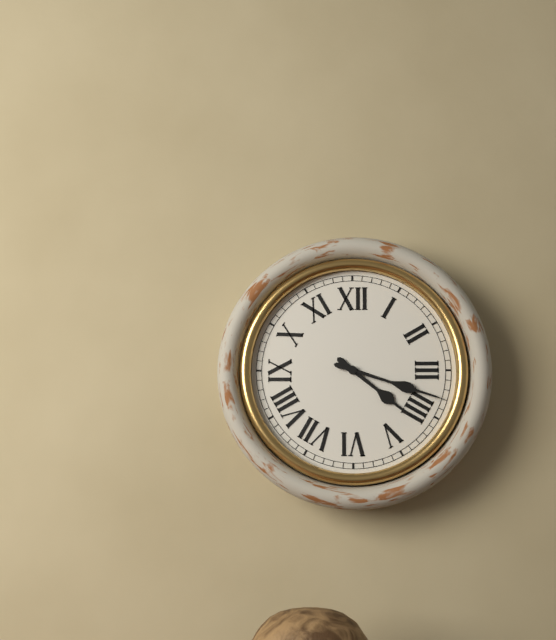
4.18
